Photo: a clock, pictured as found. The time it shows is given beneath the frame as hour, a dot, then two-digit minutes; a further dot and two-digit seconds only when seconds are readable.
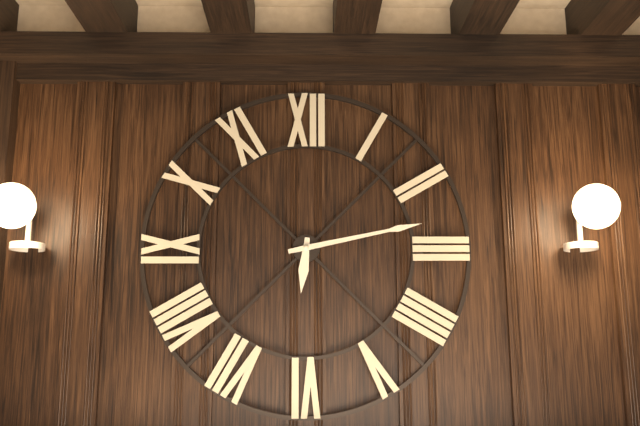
6.13
